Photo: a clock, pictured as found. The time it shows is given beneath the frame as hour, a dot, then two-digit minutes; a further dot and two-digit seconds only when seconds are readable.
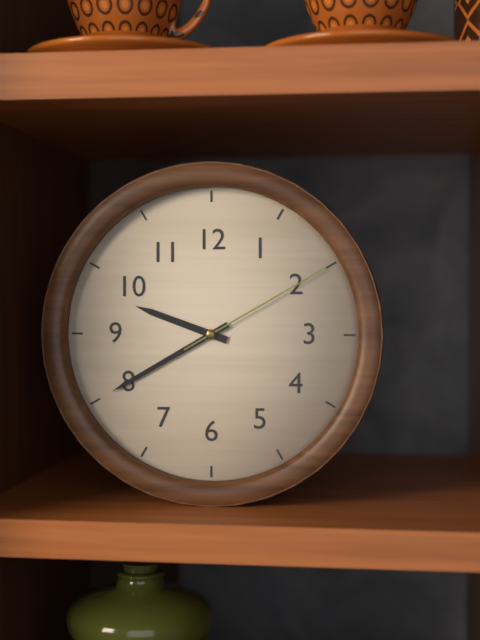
9.40.10
